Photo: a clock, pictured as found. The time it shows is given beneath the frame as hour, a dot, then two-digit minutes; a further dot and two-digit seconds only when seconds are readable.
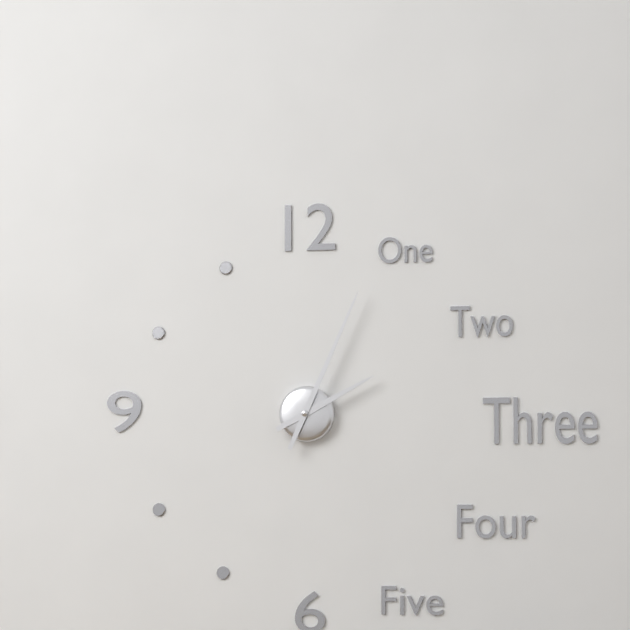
2.04
